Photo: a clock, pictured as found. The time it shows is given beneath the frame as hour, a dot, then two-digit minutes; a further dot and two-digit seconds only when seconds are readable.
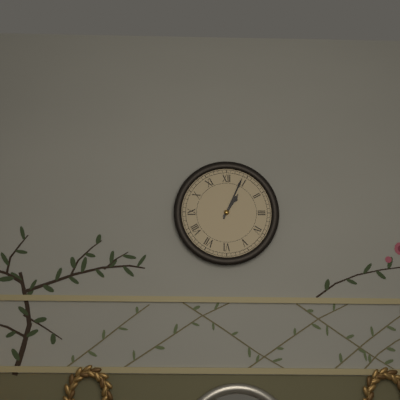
1.04
